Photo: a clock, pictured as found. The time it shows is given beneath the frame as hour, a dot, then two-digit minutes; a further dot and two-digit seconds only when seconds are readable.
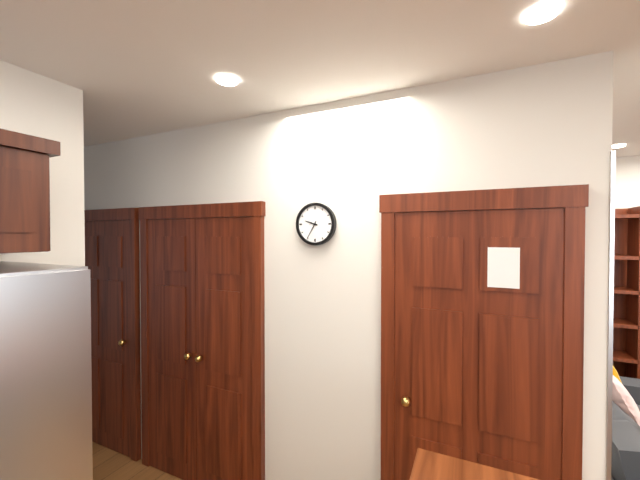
9.35
